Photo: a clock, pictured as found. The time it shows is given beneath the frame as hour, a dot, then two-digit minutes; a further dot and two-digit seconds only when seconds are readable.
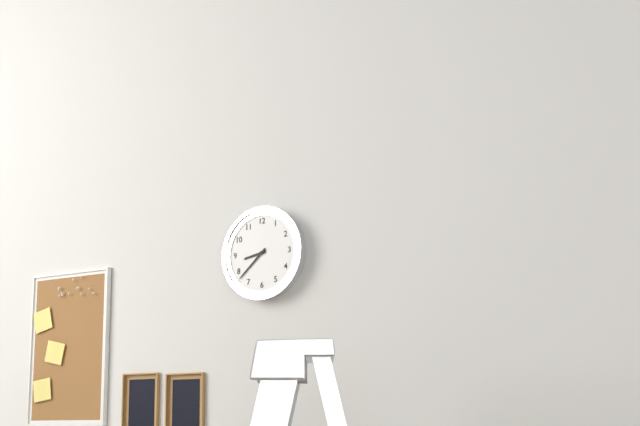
8.38
